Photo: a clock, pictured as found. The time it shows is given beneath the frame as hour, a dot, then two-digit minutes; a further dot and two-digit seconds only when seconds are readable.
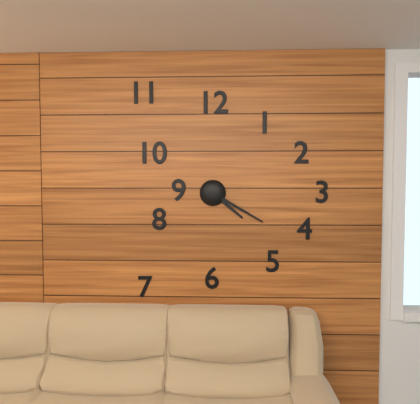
4.20
